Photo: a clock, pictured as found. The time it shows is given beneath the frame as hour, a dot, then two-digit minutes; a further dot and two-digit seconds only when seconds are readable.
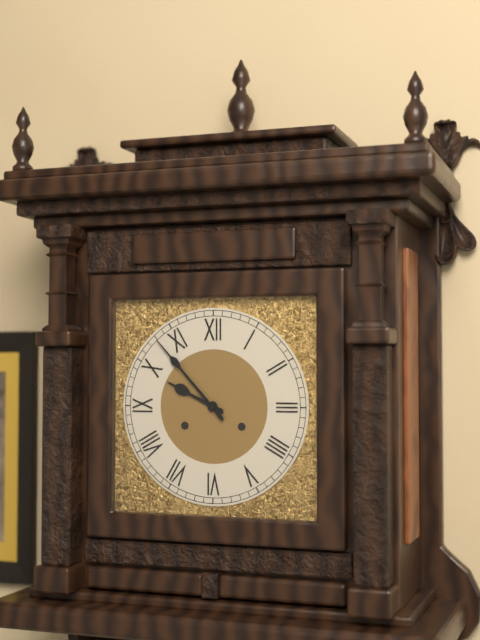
9.53
